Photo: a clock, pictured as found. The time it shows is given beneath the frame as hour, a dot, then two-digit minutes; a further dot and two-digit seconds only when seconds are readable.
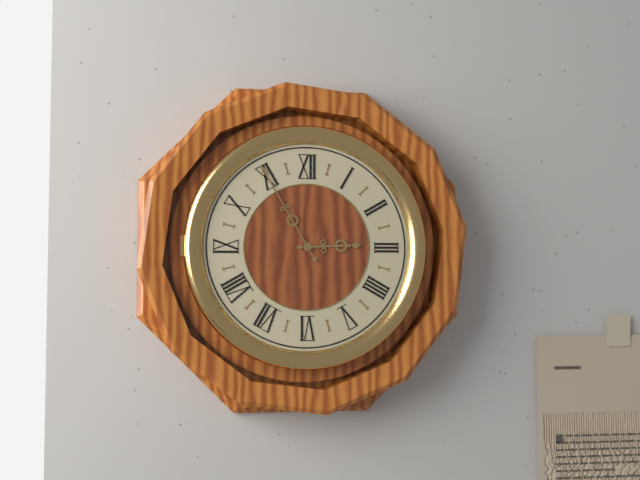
2.55
